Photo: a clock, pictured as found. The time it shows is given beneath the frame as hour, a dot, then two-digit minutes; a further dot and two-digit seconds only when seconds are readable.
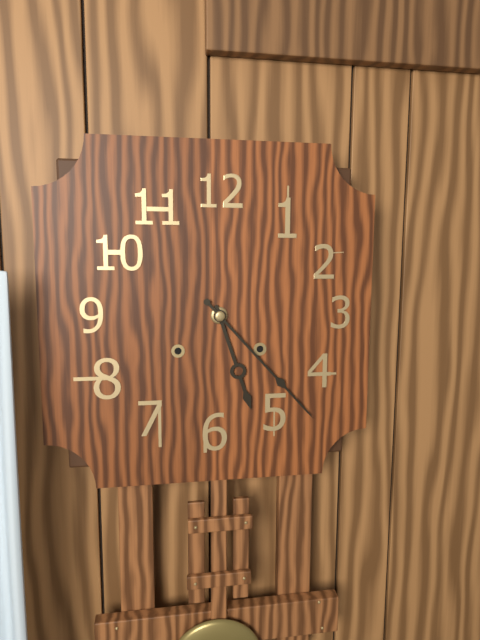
5.23
